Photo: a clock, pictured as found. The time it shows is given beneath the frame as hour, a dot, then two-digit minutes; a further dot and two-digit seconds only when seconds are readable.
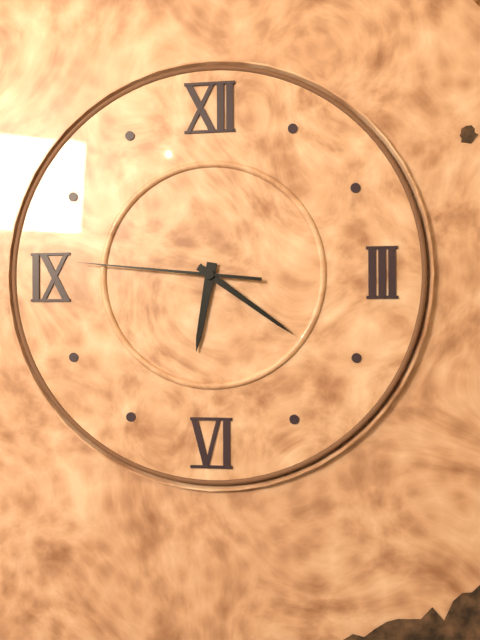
6.21.46
